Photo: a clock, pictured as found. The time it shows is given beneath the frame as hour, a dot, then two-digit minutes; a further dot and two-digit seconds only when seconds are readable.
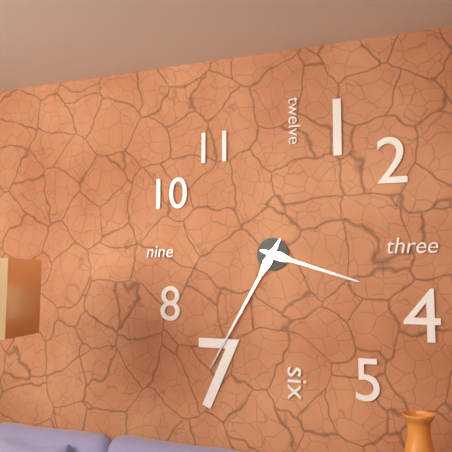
3.35
